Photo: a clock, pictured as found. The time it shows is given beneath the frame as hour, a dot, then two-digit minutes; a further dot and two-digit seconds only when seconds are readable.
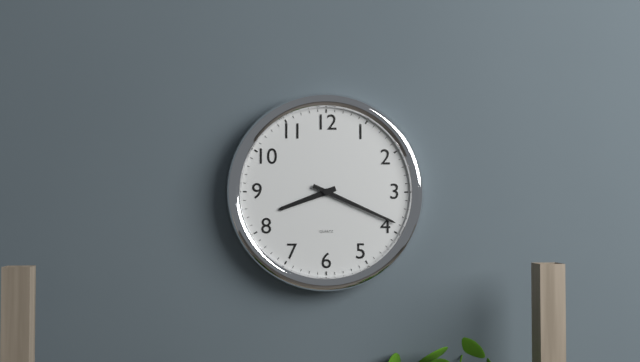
8.19
